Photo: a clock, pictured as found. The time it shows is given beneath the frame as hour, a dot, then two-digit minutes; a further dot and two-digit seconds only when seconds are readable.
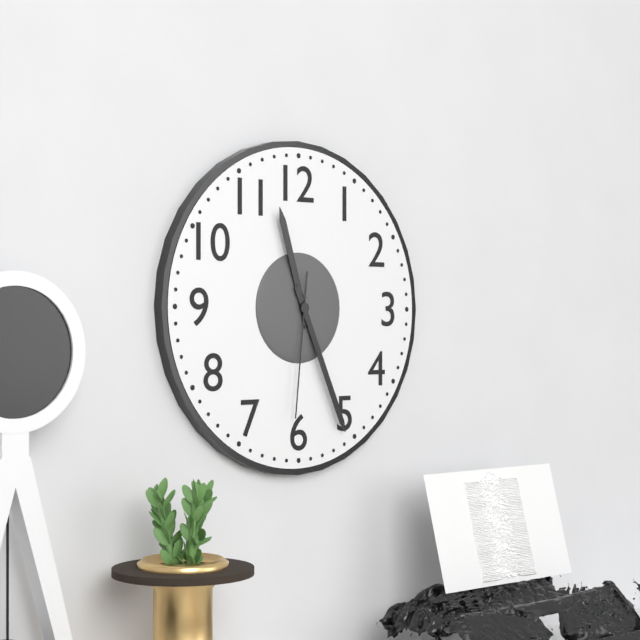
11.26.31
